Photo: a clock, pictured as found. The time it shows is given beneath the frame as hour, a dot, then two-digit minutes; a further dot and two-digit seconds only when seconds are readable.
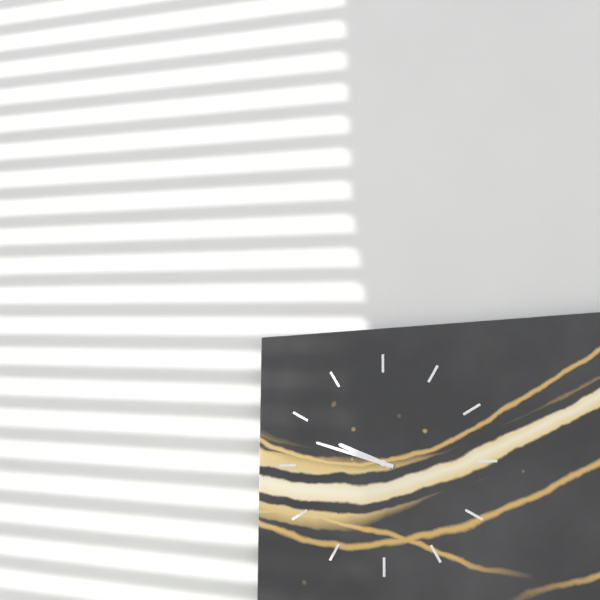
9.48
